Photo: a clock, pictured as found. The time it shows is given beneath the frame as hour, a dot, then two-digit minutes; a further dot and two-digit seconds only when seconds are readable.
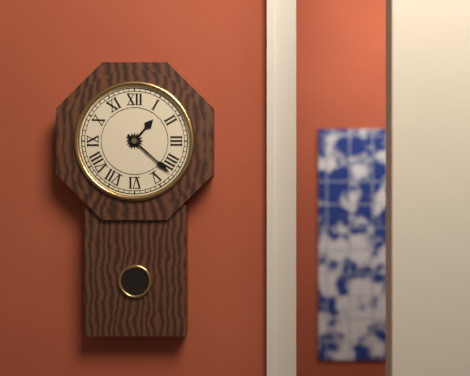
1.22
